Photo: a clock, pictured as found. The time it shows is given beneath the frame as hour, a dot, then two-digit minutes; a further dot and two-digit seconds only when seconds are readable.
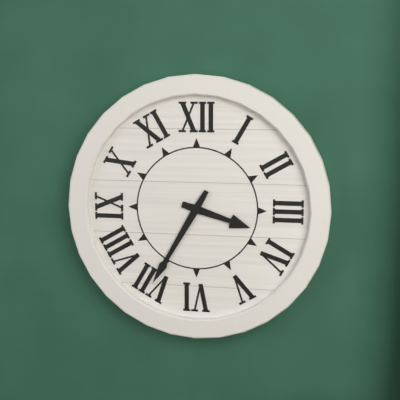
3.35
